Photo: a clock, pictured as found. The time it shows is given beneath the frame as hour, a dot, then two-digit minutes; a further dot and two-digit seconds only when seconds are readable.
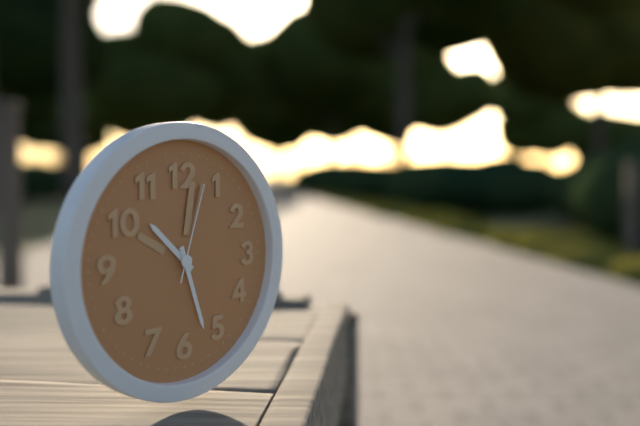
10.27.03
